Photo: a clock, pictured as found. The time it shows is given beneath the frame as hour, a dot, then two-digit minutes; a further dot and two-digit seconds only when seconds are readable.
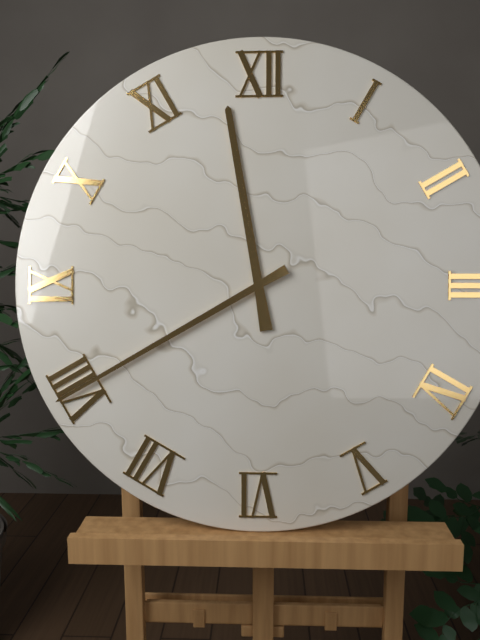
11.40
